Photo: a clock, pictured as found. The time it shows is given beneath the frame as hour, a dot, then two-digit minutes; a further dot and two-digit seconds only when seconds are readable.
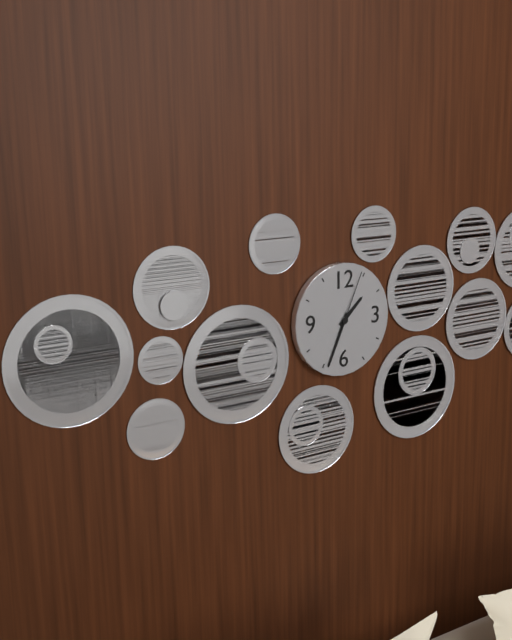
1.34.04
